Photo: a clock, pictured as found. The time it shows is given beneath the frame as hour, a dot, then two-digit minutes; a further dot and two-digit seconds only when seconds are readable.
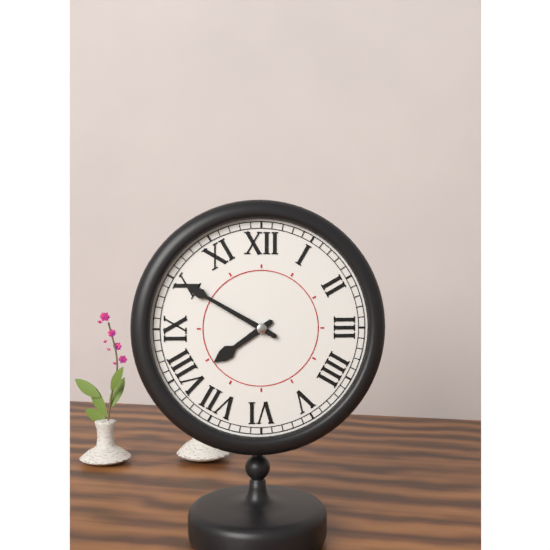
7.50
